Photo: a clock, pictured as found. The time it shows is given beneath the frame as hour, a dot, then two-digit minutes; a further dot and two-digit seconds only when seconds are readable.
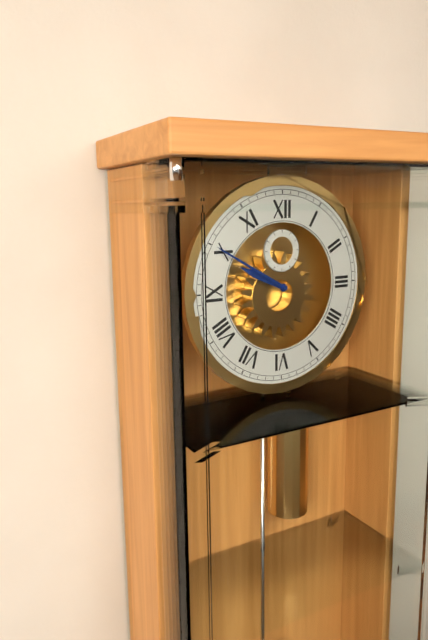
9.50
